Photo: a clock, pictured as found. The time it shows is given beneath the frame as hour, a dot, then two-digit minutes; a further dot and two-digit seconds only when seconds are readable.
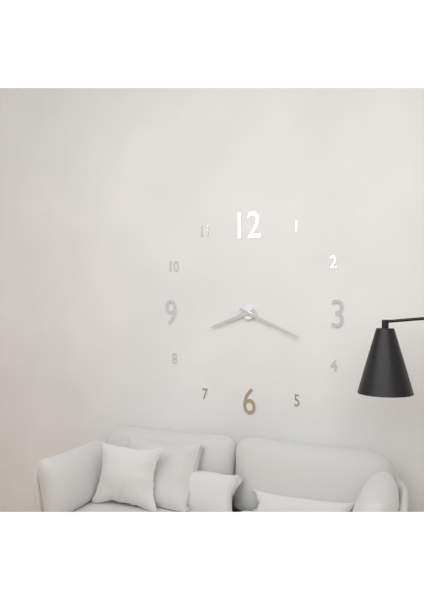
8.19
